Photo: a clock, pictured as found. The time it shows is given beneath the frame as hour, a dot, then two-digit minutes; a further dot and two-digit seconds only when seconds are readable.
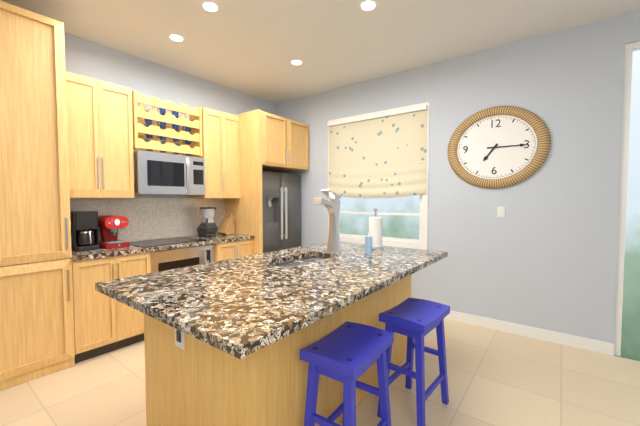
7.15
